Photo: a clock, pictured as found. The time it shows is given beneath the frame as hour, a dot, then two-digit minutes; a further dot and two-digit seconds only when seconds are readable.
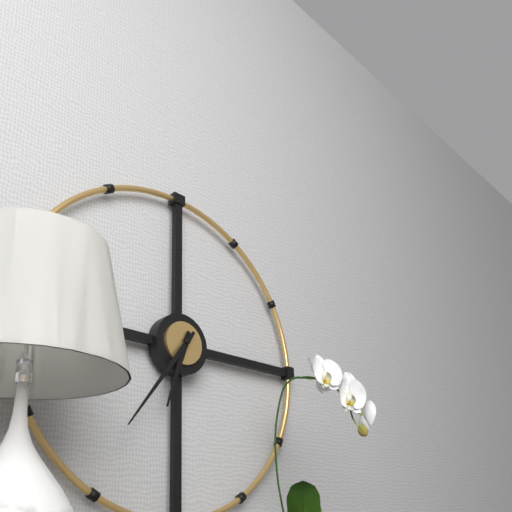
6.36
